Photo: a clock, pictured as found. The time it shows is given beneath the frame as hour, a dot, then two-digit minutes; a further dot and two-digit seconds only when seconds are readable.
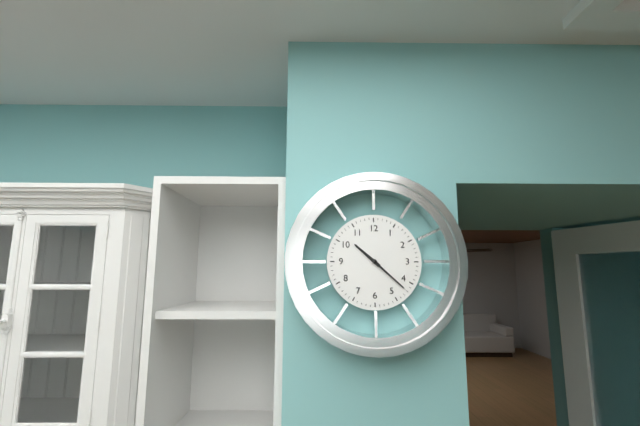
10.22
